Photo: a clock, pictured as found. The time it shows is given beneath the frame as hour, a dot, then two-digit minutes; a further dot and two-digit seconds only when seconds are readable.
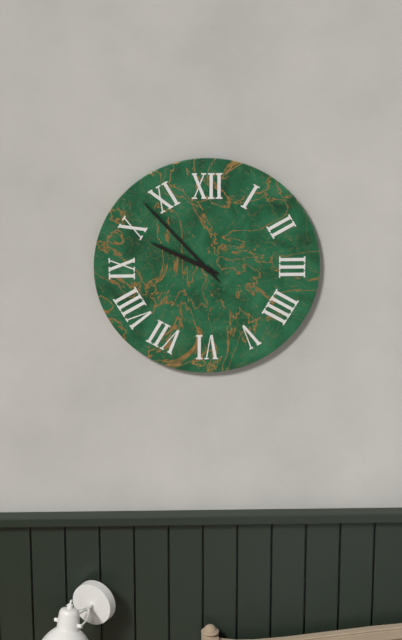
9.53
